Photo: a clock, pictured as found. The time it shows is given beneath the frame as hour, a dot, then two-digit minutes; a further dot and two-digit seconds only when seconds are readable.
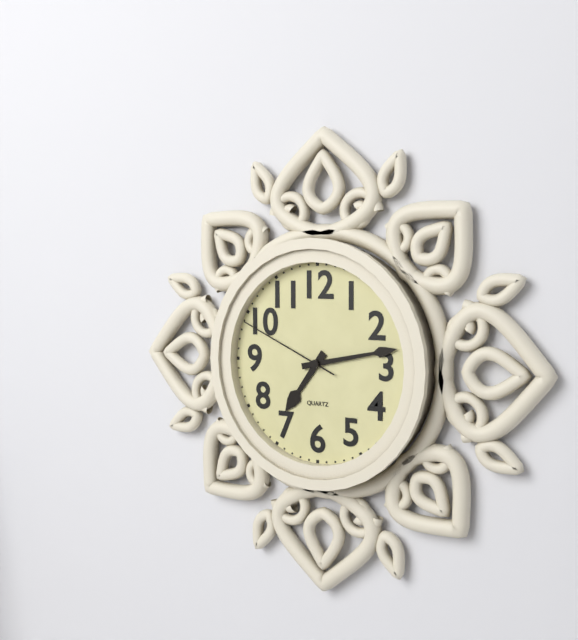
7.13.49
